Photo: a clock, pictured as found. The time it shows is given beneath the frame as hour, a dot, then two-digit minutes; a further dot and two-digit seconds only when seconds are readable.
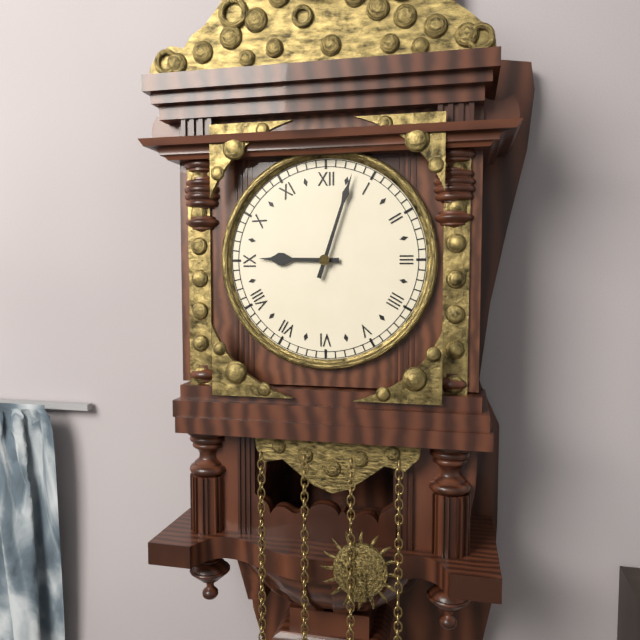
9.03
